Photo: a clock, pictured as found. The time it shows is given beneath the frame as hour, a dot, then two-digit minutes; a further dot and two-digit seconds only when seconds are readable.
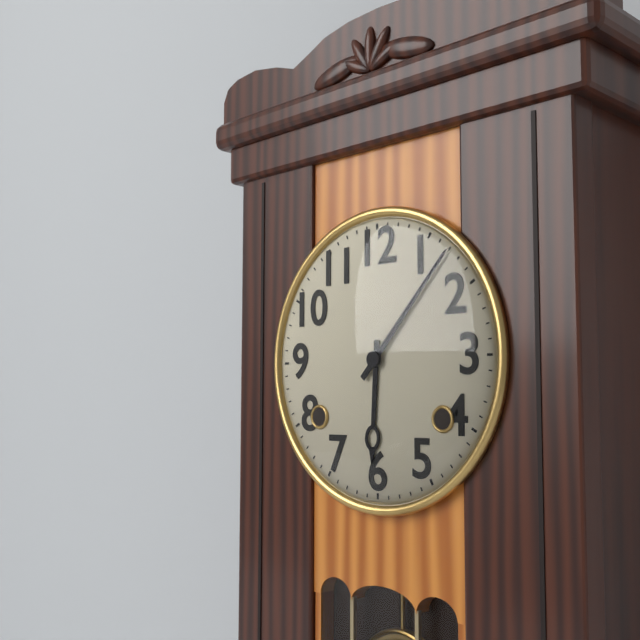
6.07
